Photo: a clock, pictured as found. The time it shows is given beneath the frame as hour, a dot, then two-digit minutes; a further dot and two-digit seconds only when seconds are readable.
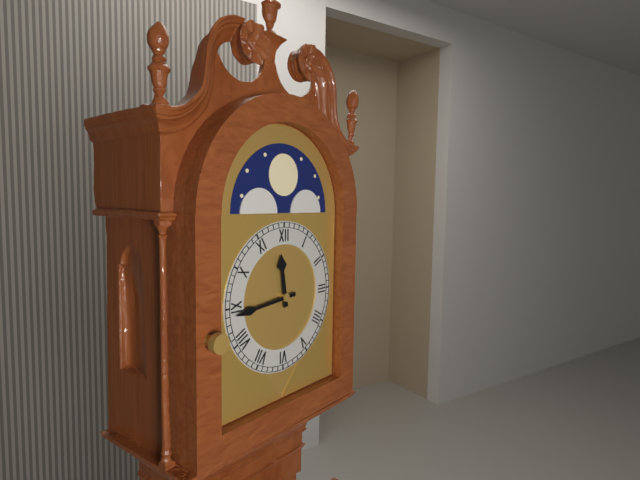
11.44
